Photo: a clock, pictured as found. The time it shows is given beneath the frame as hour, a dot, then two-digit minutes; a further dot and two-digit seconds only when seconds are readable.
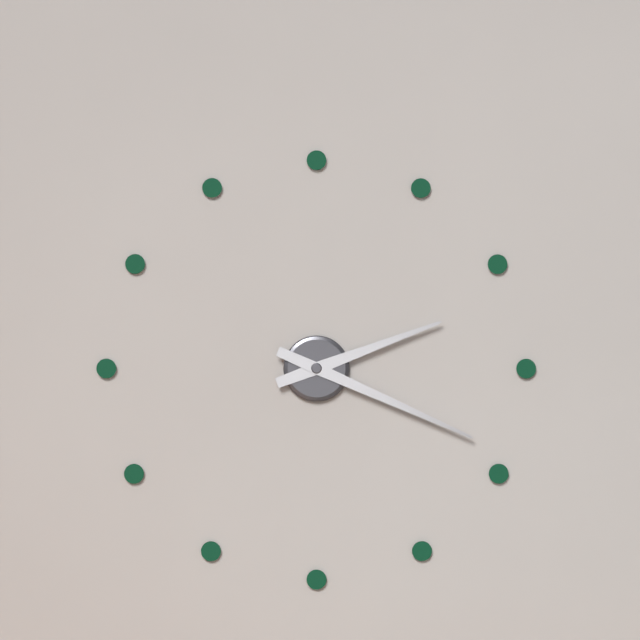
2.19
